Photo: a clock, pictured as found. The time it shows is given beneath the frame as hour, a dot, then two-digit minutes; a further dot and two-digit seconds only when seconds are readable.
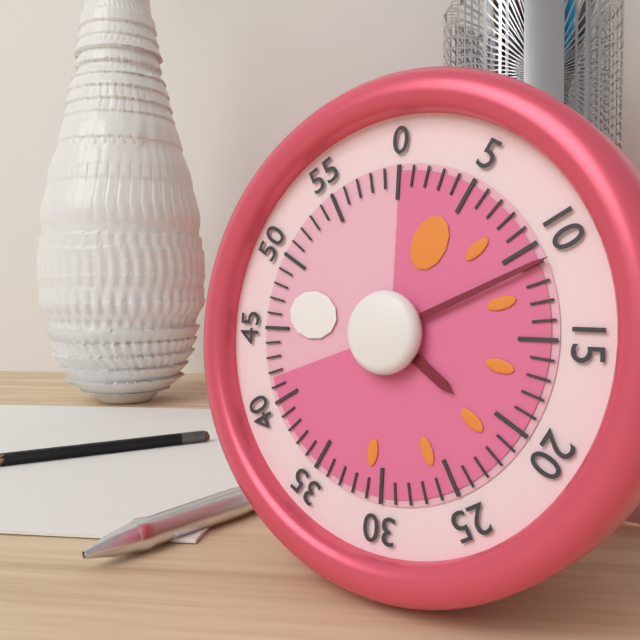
4.11
